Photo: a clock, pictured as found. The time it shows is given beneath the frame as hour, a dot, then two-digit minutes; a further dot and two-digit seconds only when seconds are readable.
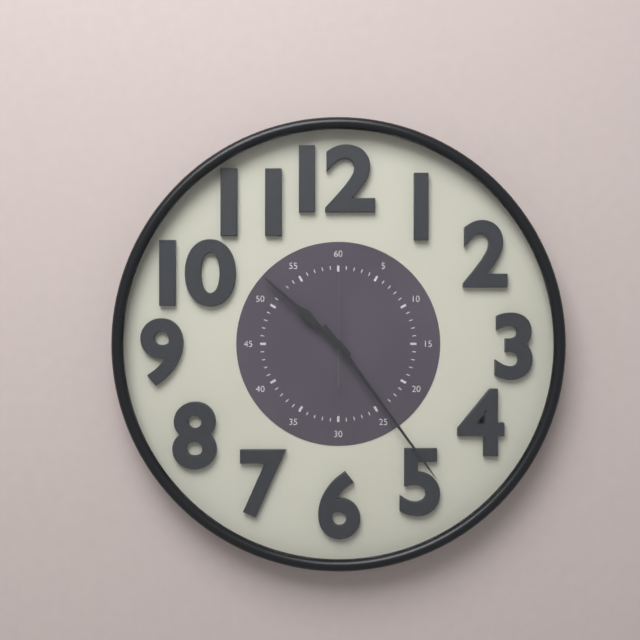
10.24.00
